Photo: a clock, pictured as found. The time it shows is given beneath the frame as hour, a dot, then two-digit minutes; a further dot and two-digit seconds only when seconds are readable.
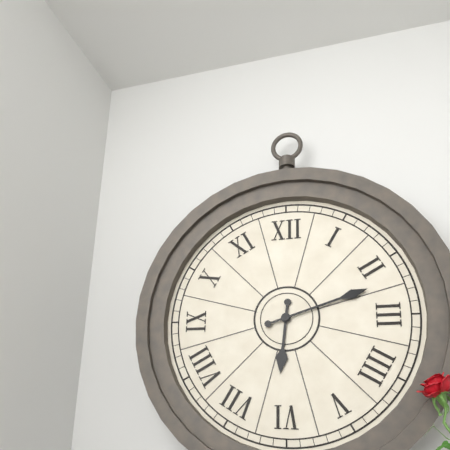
6.12
